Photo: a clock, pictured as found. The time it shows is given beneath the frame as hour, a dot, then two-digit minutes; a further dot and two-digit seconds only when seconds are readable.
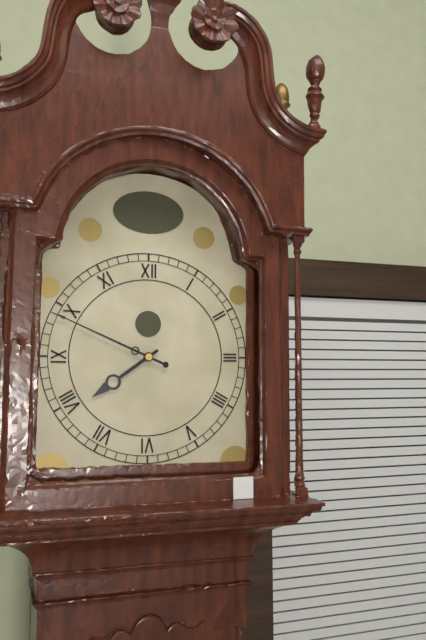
7.49
